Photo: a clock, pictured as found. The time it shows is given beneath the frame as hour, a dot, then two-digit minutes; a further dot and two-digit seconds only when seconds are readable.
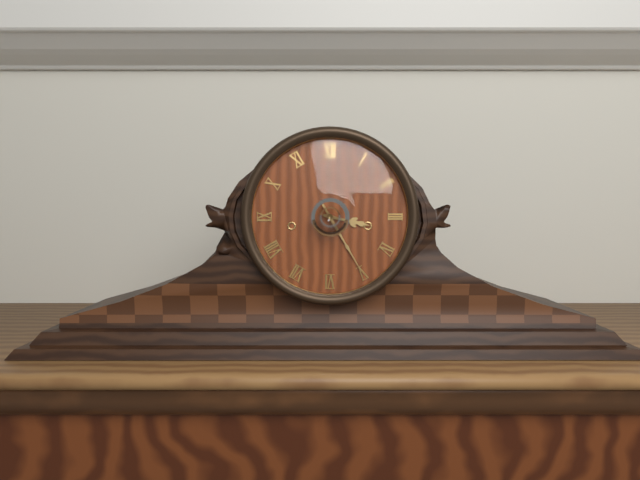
3.25
